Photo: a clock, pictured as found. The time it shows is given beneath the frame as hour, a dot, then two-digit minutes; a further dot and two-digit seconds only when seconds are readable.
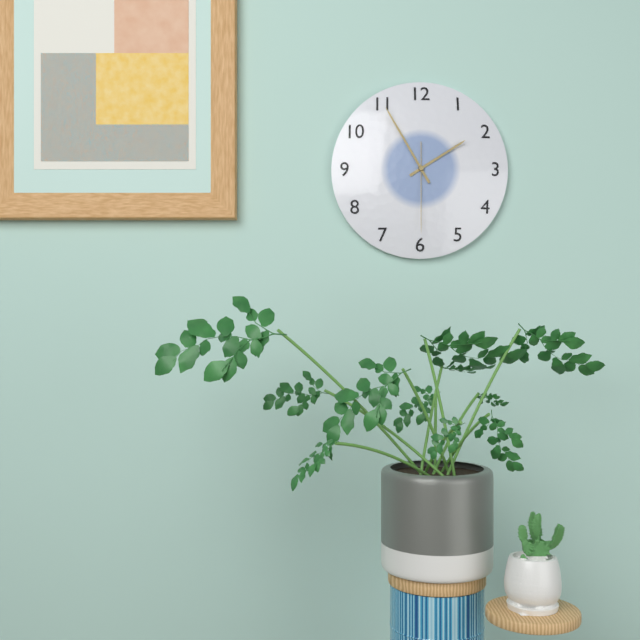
1.55.30
